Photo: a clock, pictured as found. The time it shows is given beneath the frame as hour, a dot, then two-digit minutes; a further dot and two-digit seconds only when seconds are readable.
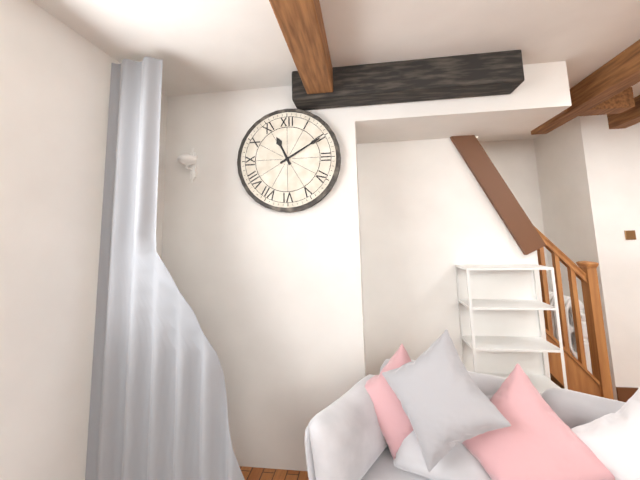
11.10
